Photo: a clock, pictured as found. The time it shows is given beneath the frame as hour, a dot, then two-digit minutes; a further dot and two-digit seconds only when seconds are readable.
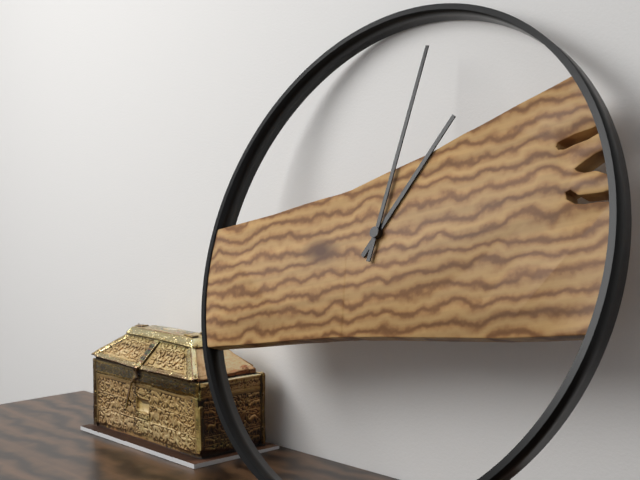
1.01
